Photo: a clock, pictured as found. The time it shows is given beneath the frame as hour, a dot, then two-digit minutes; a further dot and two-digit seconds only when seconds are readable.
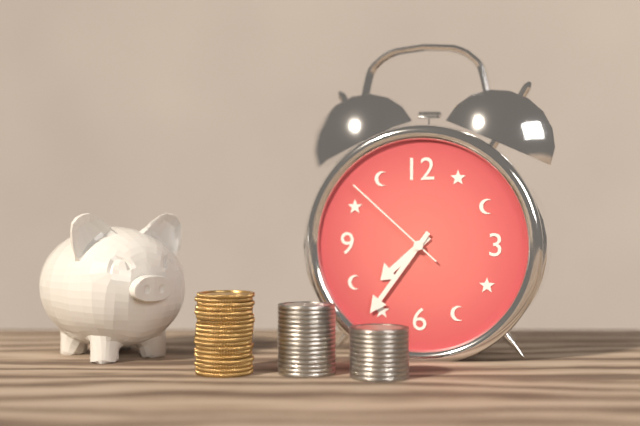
7.36.52
